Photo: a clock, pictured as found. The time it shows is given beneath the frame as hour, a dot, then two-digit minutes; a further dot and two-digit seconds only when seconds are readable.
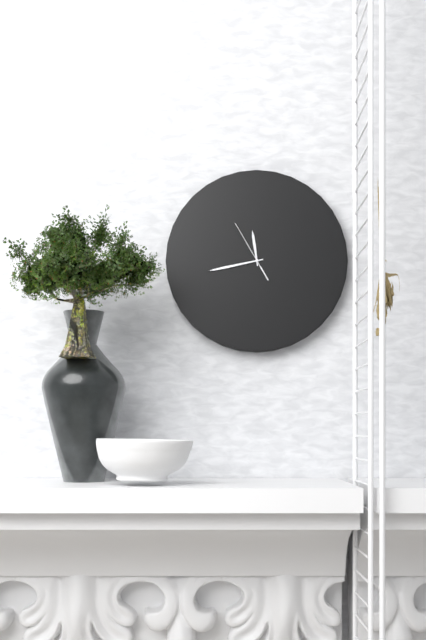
11.43.55
